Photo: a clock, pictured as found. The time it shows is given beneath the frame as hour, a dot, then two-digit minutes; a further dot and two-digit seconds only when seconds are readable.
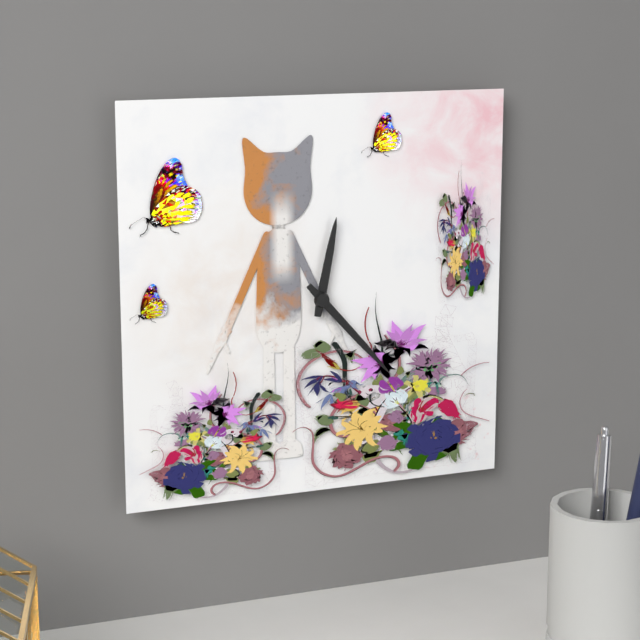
12.23
